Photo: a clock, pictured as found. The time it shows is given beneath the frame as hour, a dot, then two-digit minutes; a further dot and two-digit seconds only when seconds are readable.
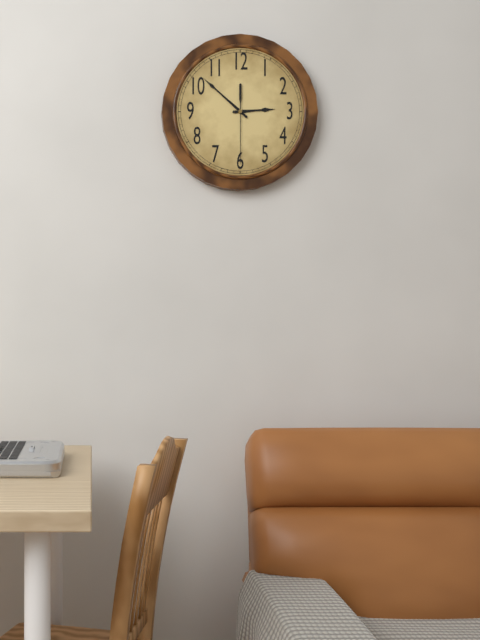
2.52.30
